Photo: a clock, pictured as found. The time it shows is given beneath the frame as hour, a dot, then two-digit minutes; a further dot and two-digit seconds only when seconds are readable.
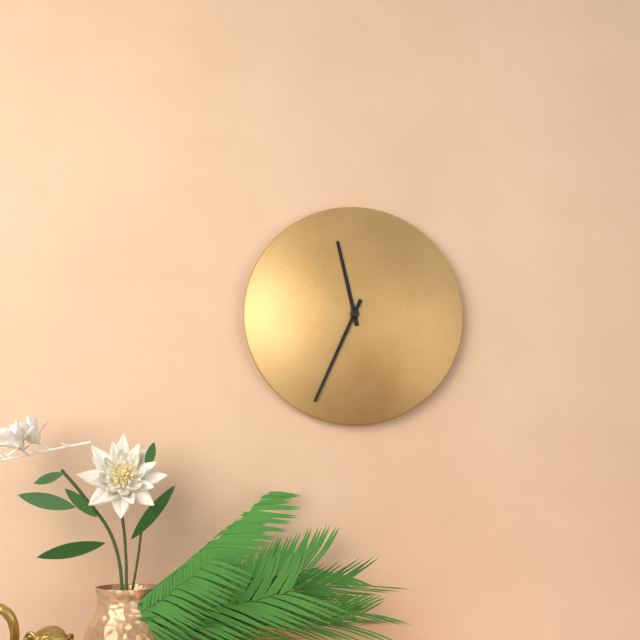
11.34
